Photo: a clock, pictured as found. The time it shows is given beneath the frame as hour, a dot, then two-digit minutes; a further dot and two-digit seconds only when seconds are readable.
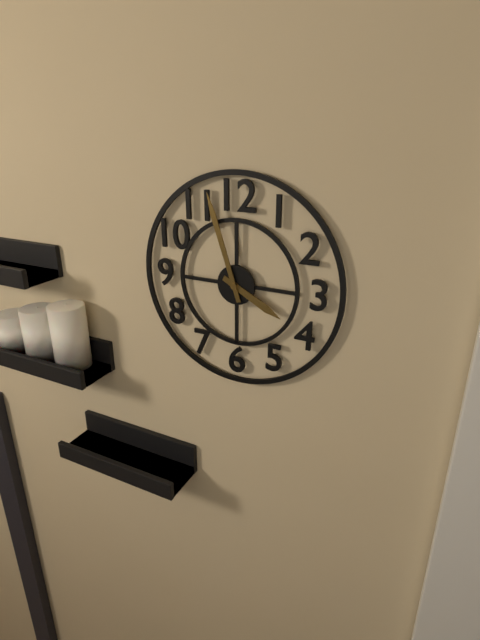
3.57
